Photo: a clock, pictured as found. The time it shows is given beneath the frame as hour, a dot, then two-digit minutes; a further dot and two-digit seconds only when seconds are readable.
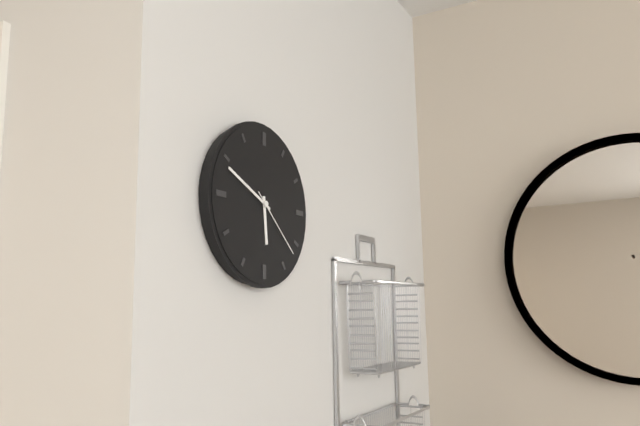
5.49.22
